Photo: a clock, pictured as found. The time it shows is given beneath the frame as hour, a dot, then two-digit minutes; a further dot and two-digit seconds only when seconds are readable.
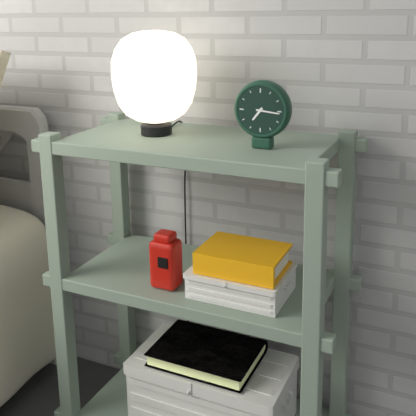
7.16
